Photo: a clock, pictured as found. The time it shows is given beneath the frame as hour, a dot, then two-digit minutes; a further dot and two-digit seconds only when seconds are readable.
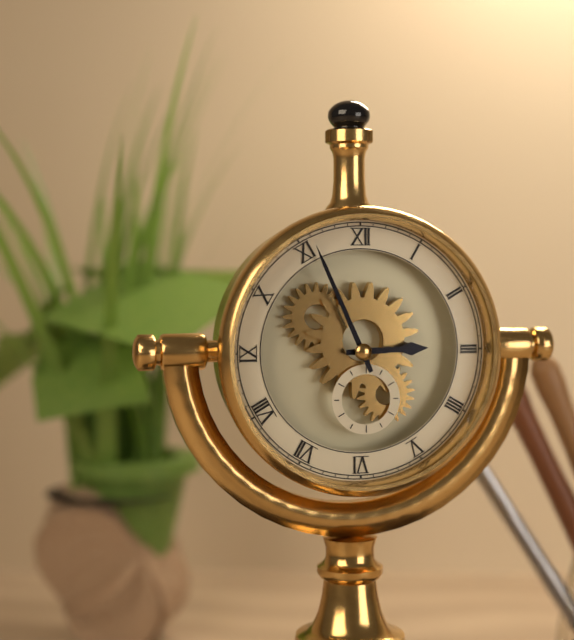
2.56
